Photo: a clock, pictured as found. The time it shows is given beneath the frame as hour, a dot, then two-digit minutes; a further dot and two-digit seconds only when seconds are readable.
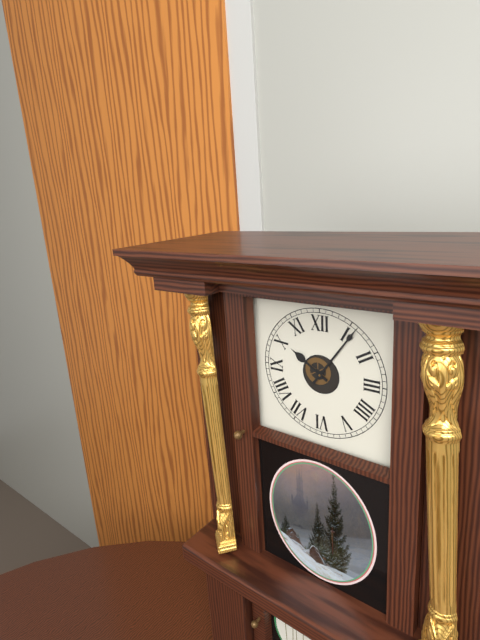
10.06
